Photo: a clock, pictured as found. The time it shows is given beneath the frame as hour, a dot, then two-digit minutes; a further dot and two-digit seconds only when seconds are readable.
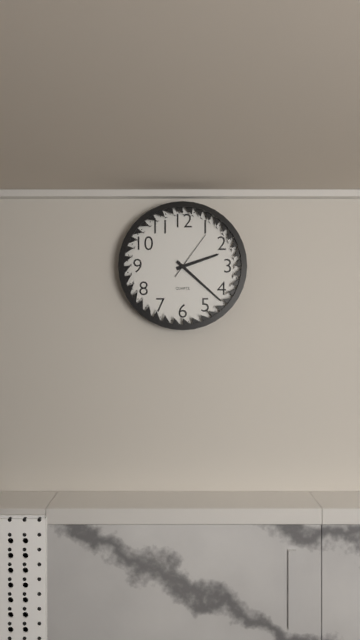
2.22
